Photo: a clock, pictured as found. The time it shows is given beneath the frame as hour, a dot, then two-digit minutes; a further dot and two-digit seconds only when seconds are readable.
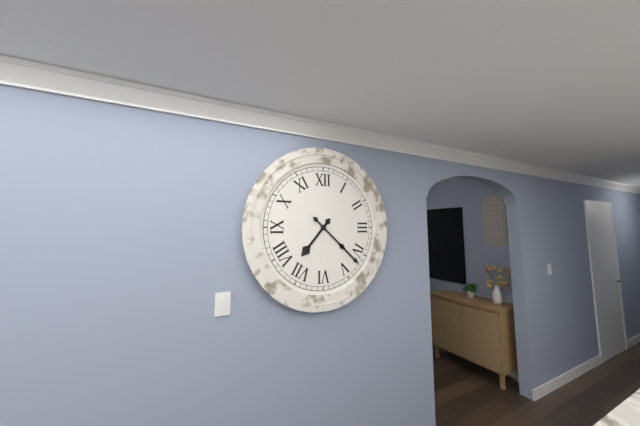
7.22
